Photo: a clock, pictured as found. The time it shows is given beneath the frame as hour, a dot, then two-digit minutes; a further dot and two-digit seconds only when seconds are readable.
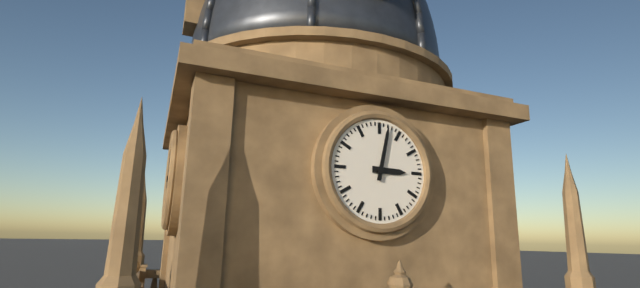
3.02
